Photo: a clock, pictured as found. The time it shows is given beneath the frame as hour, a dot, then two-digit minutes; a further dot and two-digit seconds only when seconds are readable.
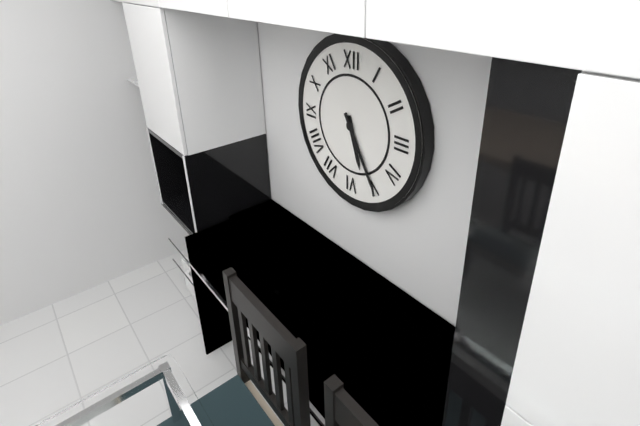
5.25
